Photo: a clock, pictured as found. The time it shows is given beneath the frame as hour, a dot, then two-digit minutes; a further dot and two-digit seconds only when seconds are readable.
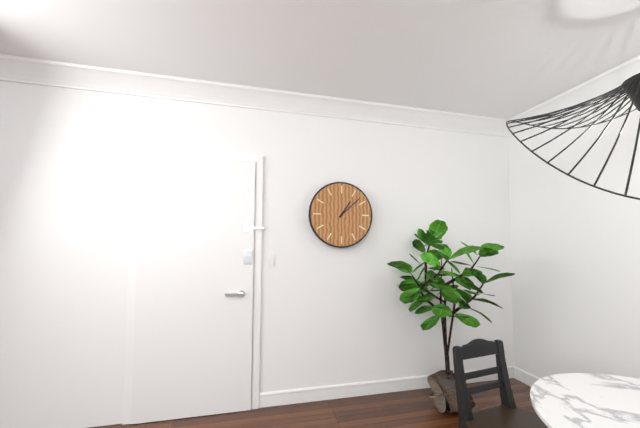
1.08
